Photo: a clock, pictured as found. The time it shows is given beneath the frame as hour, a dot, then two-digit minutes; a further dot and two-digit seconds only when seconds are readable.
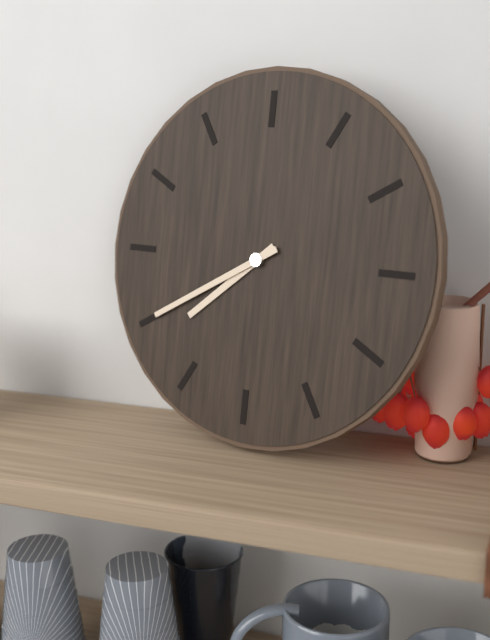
7.40
